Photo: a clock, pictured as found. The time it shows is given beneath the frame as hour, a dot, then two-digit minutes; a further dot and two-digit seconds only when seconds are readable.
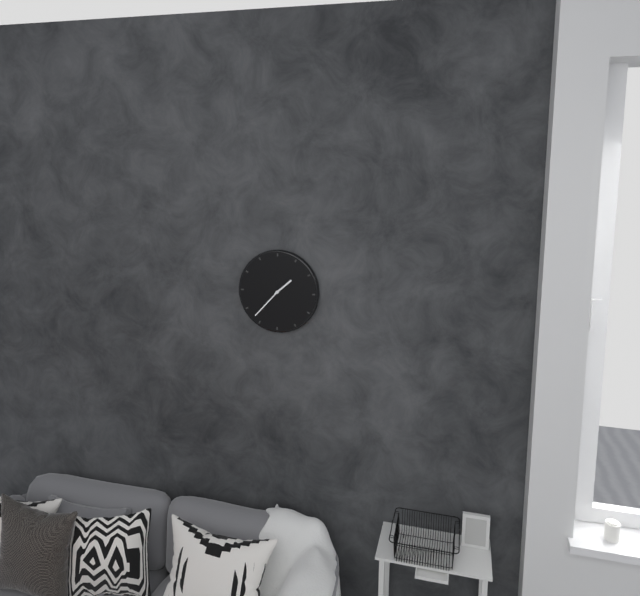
1.37
